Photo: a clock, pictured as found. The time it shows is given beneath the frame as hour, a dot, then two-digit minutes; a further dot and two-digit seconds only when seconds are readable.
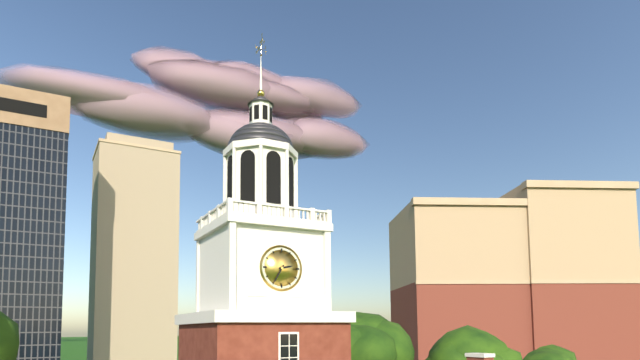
2.35
